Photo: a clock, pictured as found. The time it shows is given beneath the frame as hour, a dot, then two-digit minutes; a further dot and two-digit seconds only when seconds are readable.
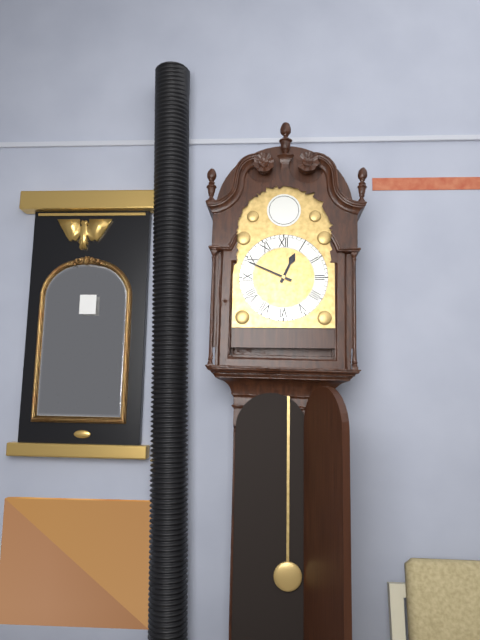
12.49
